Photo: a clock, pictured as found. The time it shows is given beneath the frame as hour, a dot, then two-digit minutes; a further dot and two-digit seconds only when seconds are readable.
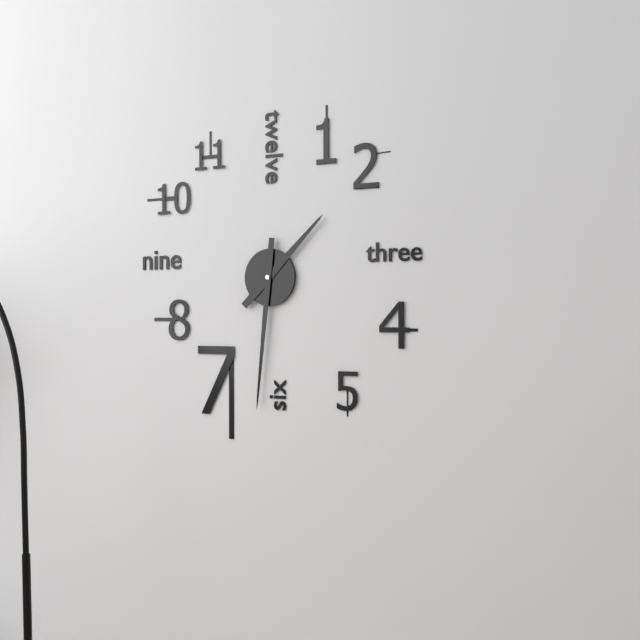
1.31
